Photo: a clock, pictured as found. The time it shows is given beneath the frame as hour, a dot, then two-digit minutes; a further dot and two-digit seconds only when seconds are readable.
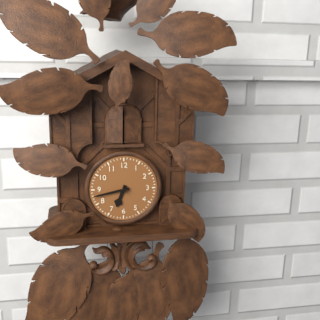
6.43
